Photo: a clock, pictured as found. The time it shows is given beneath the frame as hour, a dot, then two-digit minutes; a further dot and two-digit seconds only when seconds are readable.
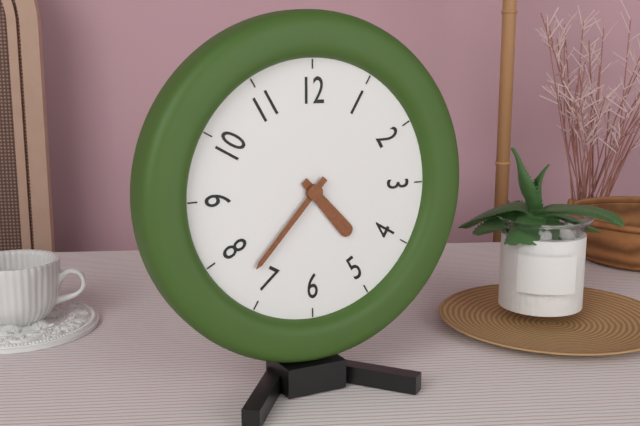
4.37
